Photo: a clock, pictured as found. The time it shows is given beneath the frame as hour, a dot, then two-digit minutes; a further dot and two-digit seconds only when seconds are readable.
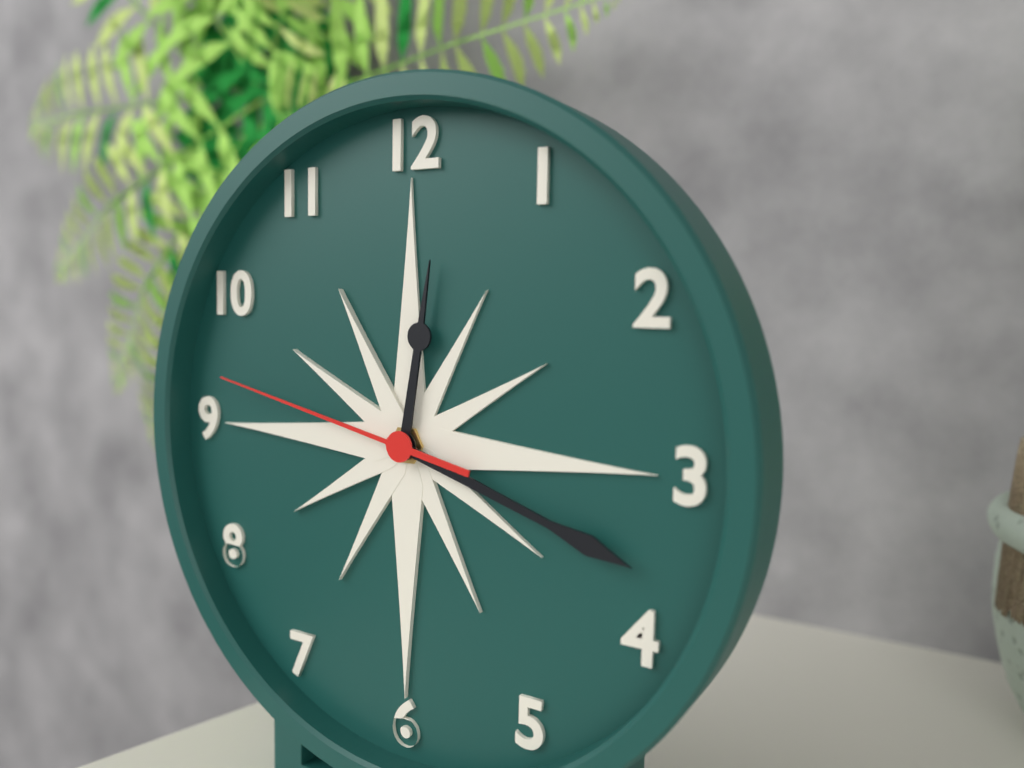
12.18.47
